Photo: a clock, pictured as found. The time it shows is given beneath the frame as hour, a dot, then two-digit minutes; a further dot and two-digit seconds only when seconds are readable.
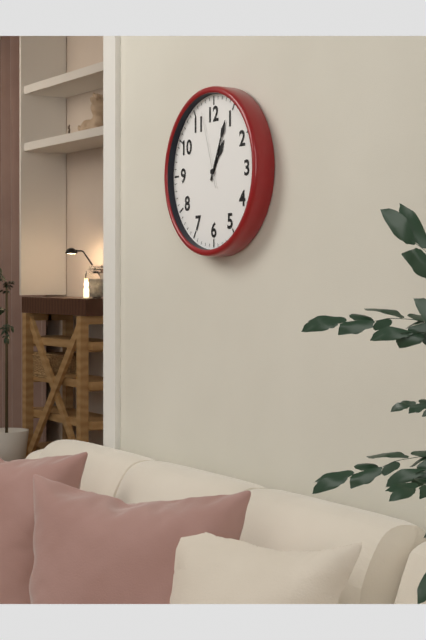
1.04.57
